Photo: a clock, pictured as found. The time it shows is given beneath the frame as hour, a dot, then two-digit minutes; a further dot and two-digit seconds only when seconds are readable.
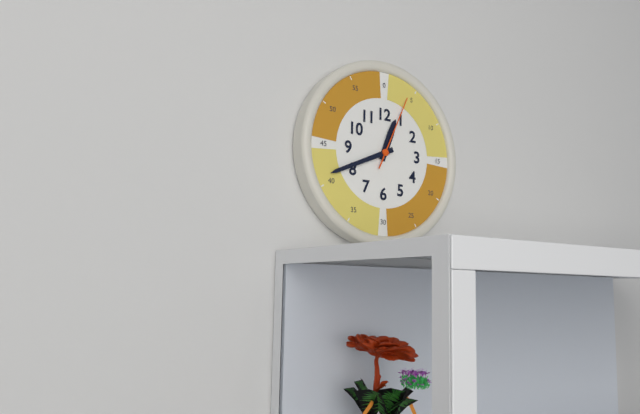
12.41.04
